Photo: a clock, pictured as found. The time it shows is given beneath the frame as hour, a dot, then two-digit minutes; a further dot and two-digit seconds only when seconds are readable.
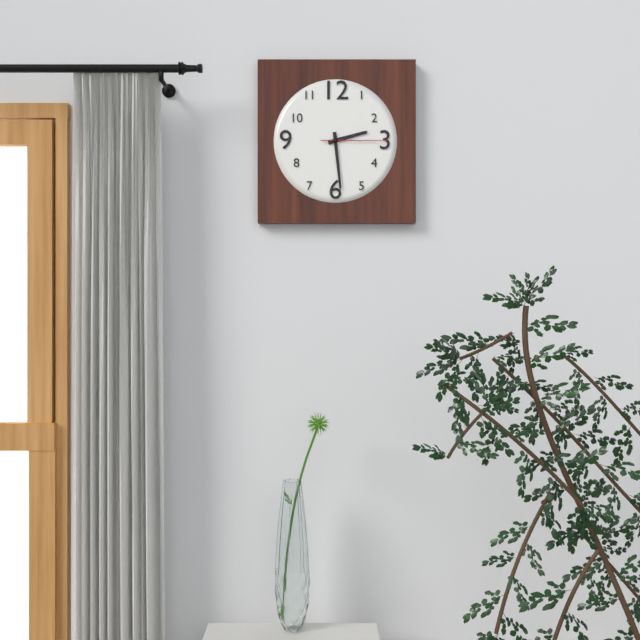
2.29.15
